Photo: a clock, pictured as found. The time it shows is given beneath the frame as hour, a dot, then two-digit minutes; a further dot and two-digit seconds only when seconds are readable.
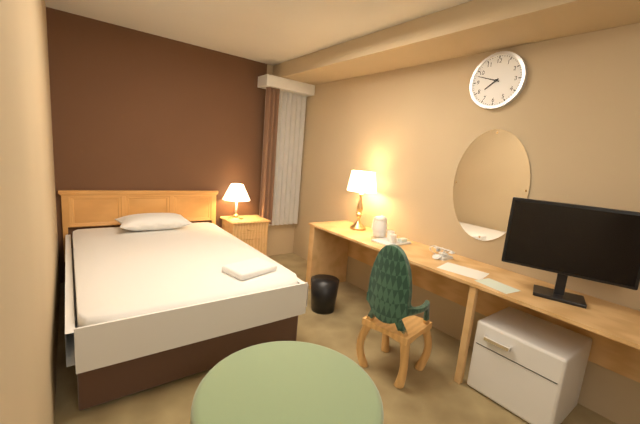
7.48
